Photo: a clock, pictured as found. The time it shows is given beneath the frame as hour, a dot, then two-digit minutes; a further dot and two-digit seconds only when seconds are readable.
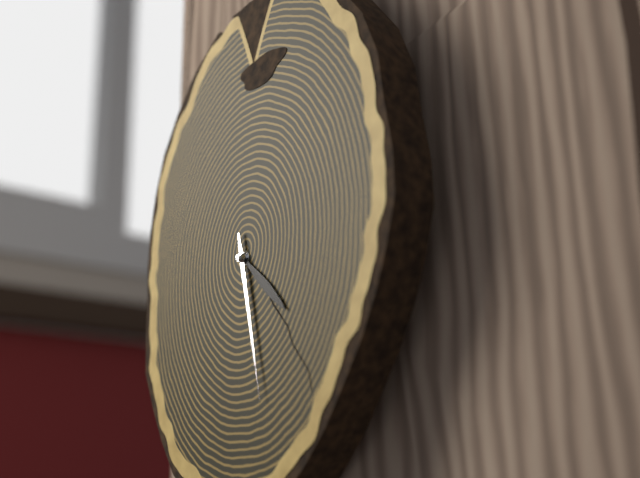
4.28
